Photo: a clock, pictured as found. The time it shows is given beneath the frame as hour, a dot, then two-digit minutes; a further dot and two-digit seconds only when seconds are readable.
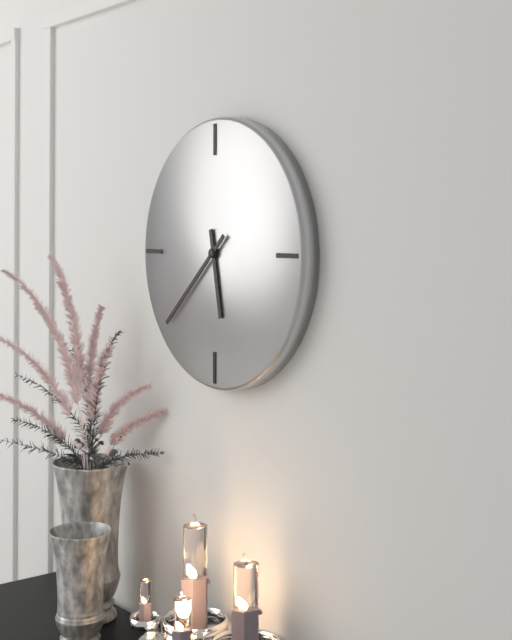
5.38
